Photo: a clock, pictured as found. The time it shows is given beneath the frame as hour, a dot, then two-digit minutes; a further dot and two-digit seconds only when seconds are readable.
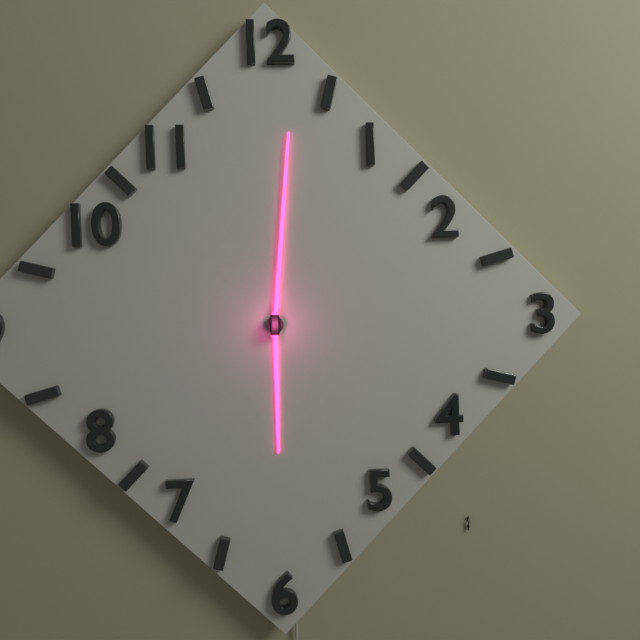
6.01
